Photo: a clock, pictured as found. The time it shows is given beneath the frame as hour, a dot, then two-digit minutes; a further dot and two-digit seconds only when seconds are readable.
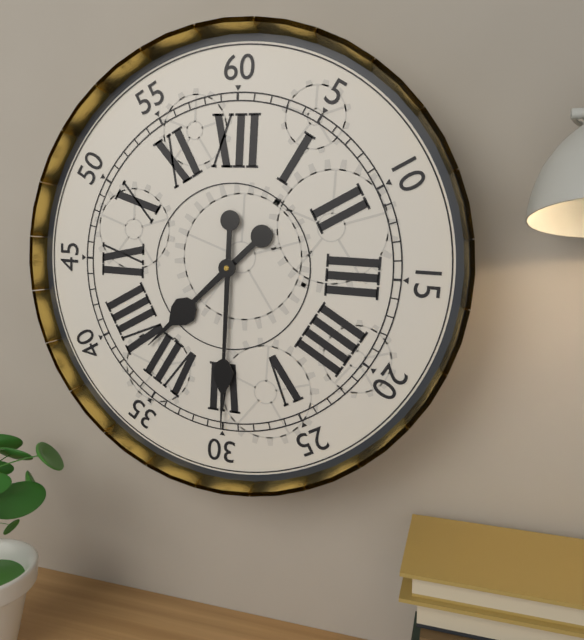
7.30
